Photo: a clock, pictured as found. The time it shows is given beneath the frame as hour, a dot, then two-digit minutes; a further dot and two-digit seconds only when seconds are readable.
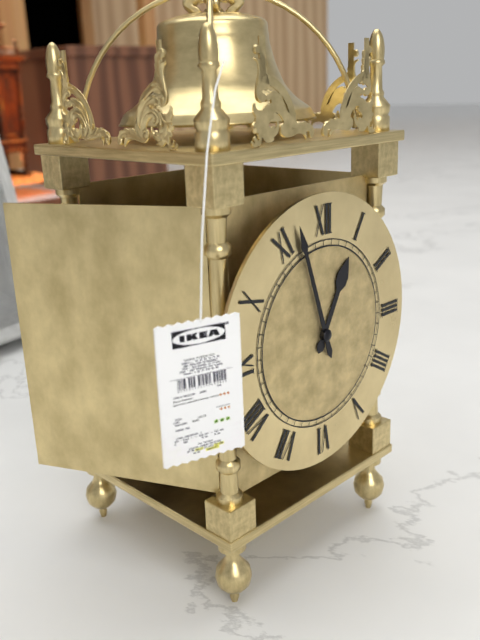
12.57
